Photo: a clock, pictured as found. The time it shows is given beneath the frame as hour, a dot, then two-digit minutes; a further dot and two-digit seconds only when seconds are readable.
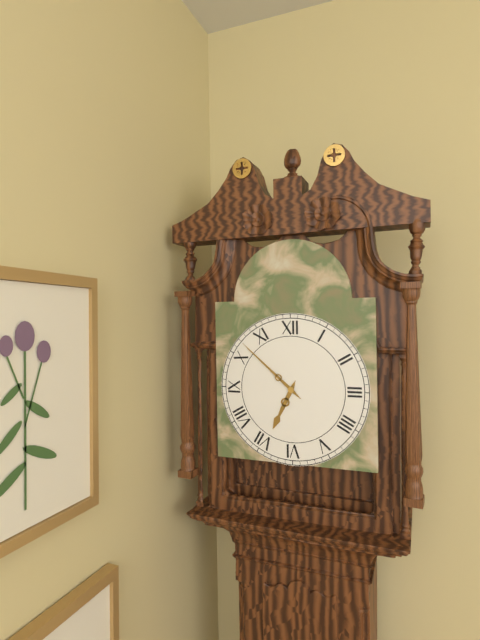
6.52
